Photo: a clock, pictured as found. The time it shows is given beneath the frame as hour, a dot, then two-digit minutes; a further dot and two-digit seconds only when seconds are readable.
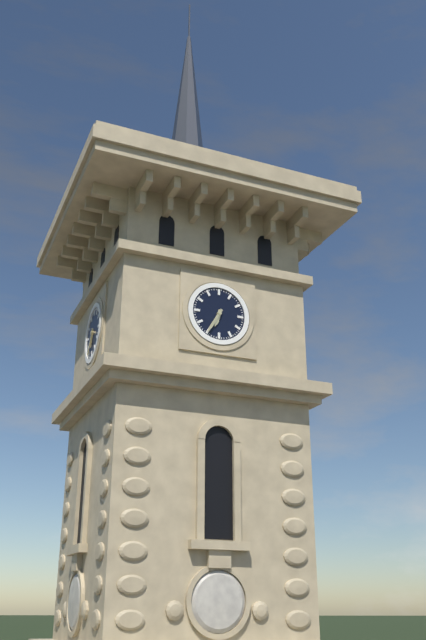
6.35
